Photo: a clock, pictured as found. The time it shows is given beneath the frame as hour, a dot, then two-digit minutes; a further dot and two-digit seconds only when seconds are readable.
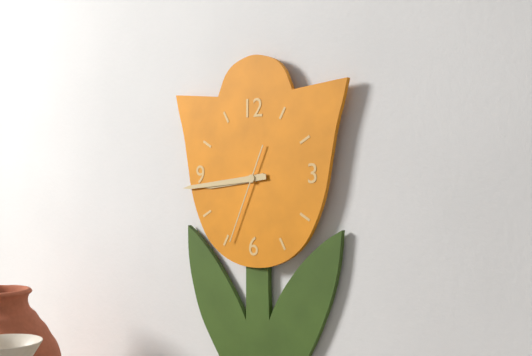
8.44.34
